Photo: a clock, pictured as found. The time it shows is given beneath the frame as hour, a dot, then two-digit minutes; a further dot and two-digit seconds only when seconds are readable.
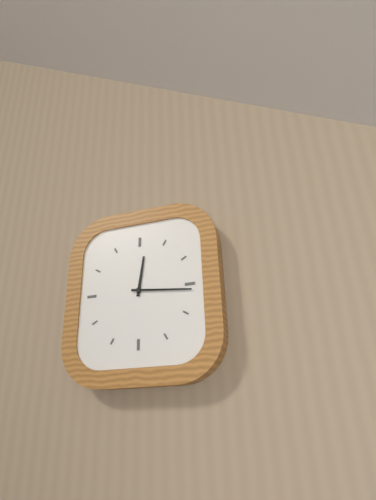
12.16
